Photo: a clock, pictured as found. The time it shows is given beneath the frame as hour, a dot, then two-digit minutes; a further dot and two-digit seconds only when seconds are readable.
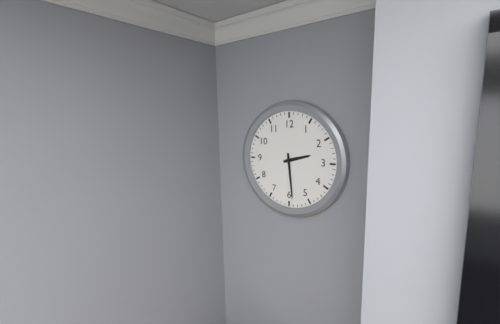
2.29
